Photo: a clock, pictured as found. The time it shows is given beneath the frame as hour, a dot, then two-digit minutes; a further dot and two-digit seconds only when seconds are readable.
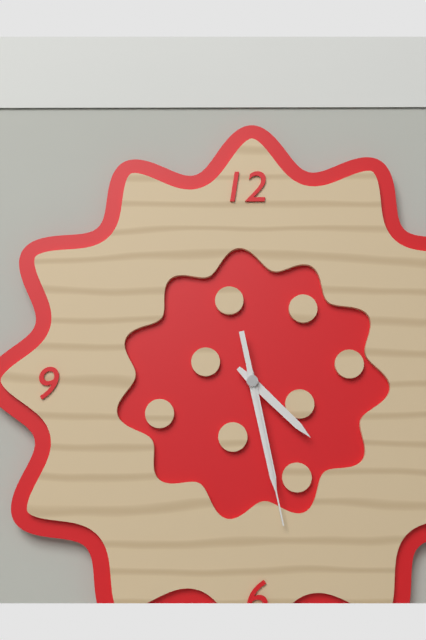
4.28.28
